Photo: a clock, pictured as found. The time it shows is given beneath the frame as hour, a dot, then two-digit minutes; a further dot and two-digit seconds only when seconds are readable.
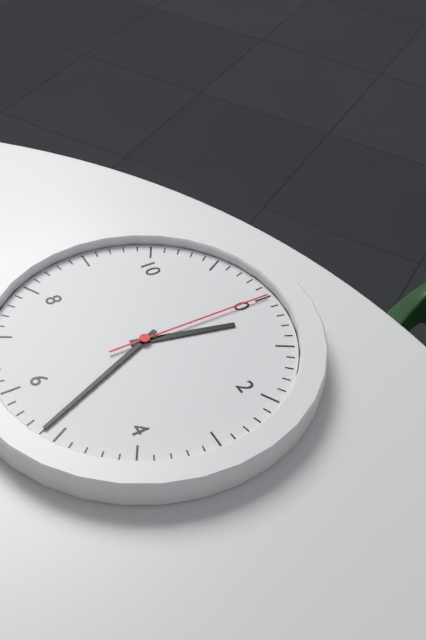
12.26.00
